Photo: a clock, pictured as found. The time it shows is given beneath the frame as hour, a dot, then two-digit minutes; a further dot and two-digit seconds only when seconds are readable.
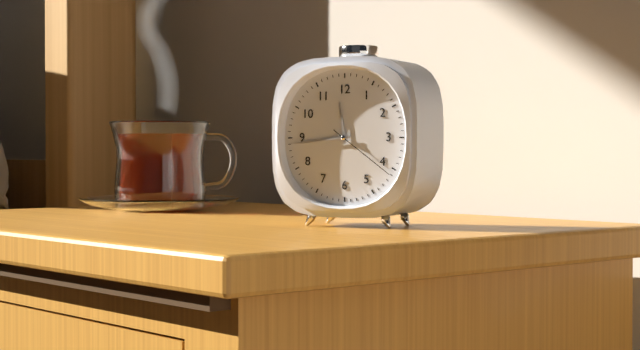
11.44.21
